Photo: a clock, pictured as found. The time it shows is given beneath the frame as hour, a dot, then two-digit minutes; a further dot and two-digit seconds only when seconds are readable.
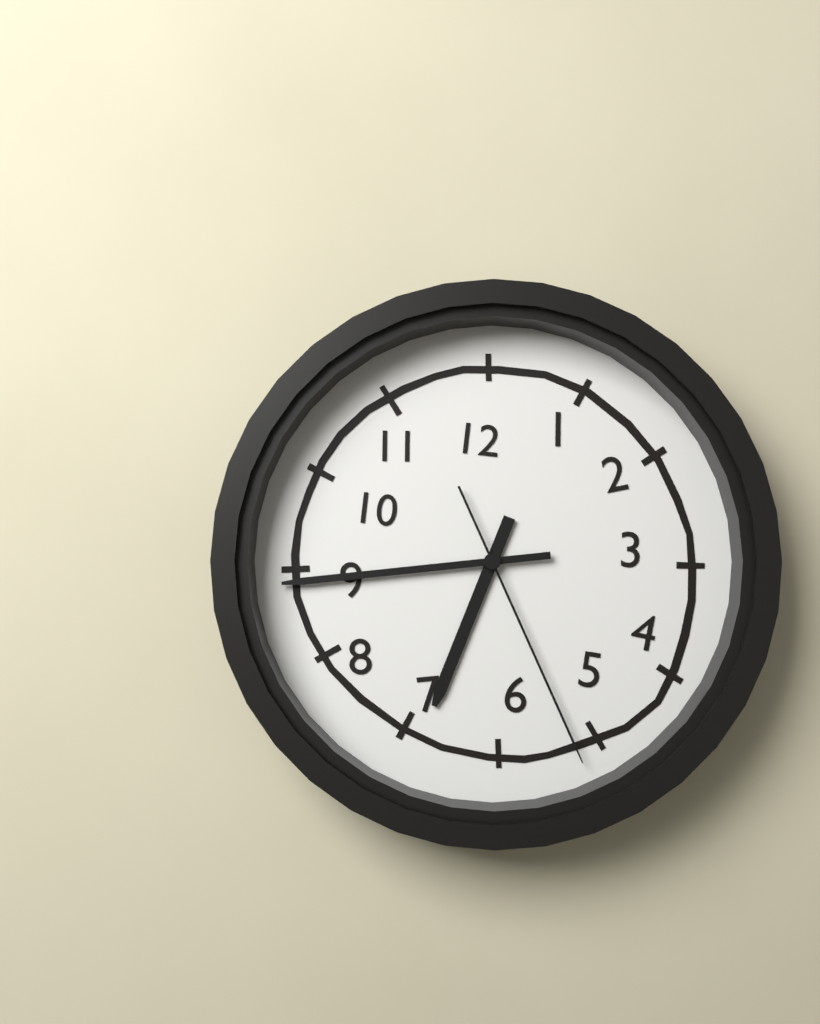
6.44.26
